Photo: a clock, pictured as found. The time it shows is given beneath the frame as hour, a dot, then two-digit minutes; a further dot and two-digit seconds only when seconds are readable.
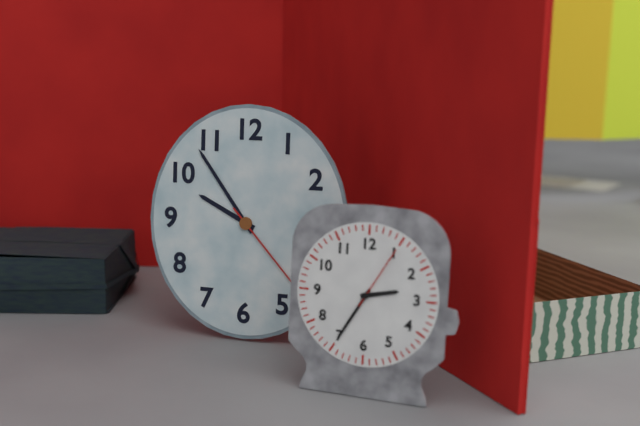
9.54.23
